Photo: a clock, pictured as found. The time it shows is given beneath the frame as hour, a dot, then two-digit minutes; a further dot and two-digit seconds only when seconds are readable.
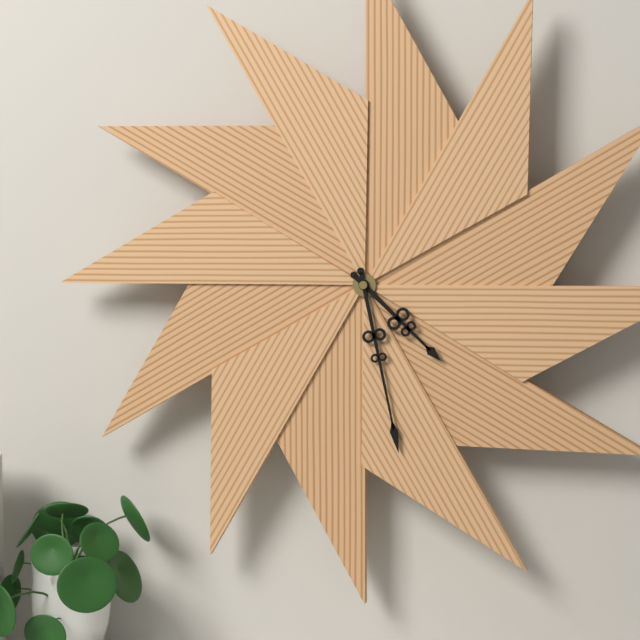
4.28
